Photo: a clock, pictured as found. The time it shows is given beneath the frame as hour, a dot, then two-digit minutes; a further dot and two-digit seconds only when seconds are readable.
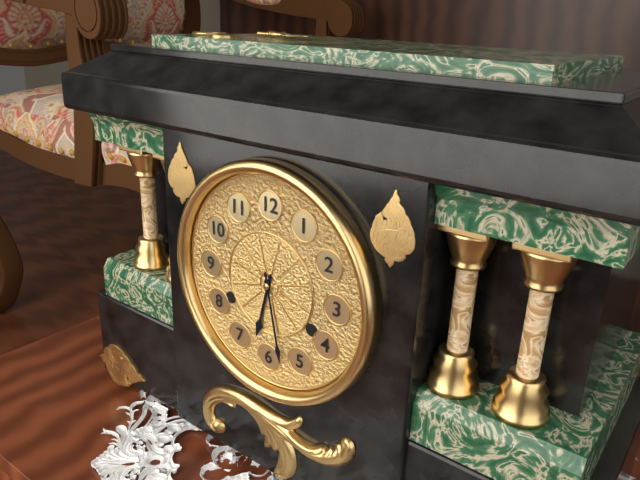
6.28
